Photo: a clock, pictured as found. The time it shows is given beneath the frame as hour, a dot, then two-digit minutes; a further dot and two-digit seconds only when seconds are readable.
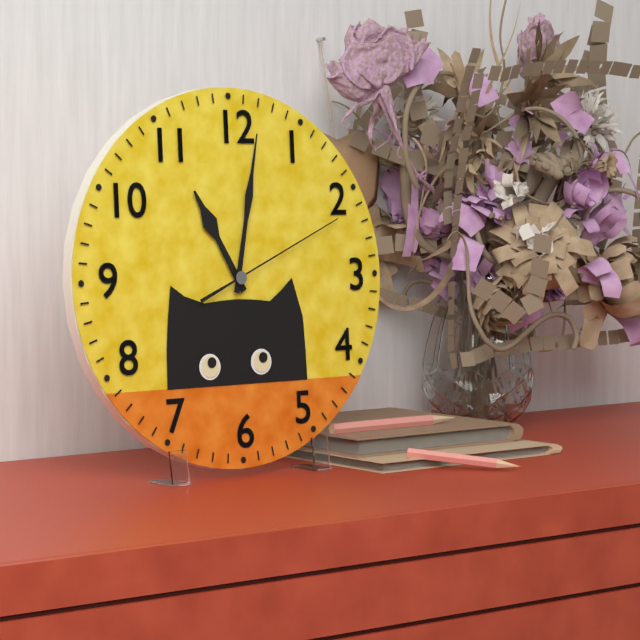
11.02.11
